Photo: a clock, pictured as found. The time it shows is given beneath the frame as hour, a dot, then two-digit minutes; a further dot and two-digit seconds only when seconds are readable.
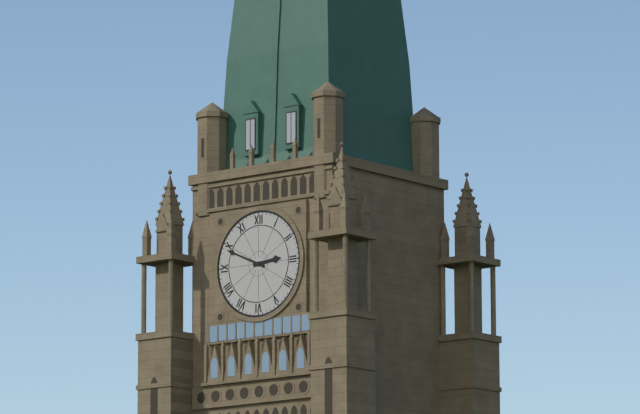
2.49
